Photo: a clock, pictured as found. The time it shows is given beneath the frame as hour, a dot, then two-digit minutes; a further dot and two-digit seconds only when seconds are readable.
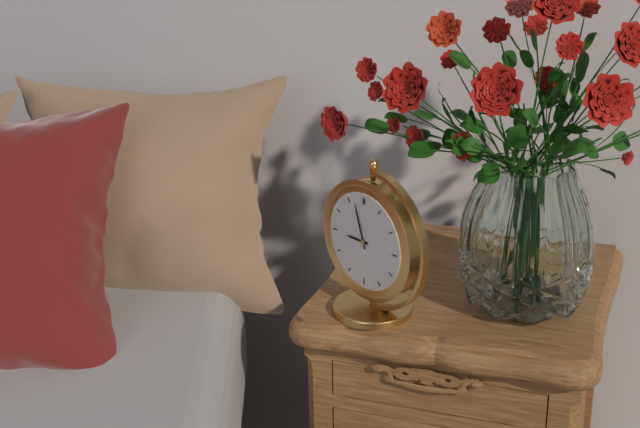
8.57
